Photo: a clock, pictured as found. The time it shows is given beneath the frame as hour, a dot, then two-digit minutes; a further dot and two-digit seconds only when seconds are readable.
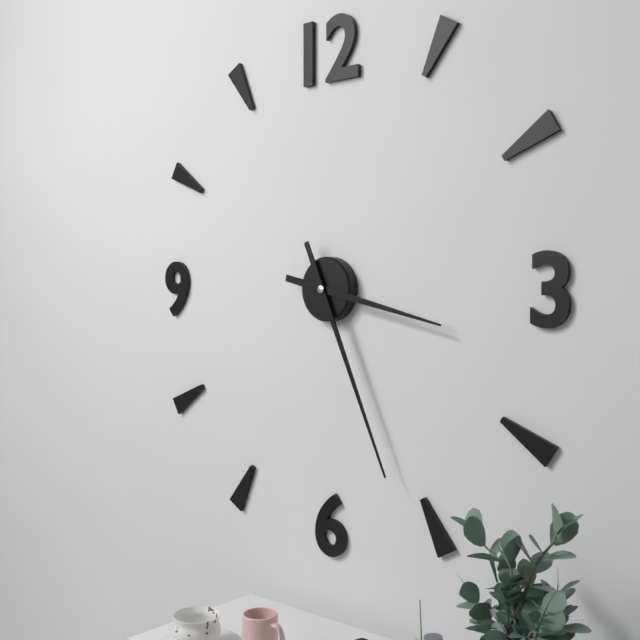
3.26
